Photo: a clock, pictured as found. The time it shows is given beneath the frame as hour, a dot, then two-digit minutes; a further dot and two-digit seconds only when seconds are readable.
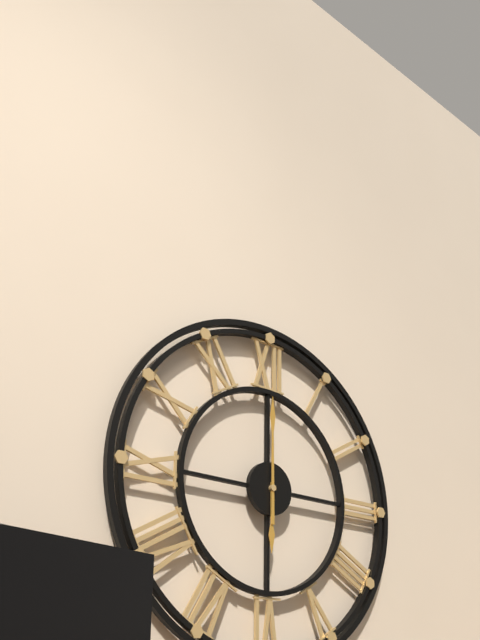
6.00
